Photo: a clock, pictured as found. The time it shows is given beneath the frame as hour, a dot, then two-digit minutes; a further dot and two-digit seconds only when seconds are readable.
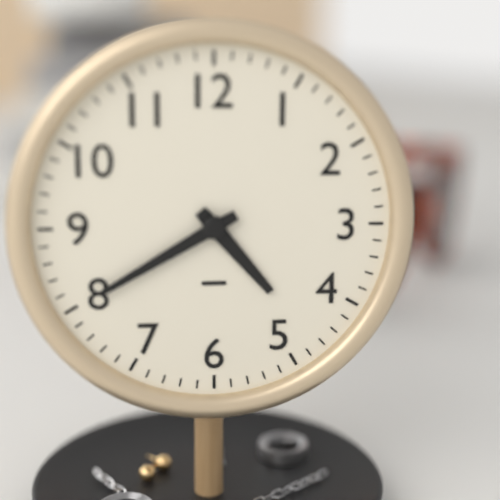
4.40
